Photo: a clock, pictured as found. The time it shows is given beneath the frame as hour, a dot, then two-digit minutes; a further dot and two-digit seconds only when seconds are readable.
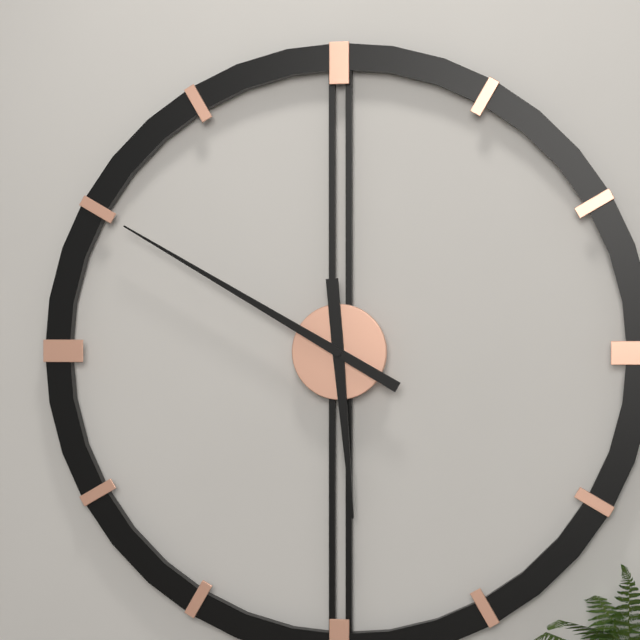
5.50
